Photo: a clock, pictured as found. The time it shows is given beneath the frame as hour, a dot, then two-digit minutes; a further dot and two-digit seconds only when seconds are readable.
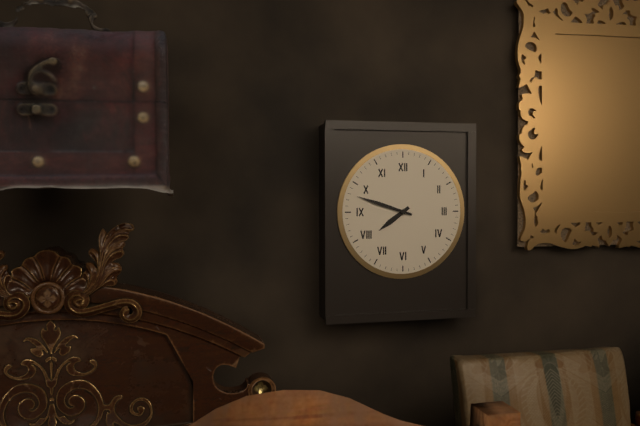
7.48
